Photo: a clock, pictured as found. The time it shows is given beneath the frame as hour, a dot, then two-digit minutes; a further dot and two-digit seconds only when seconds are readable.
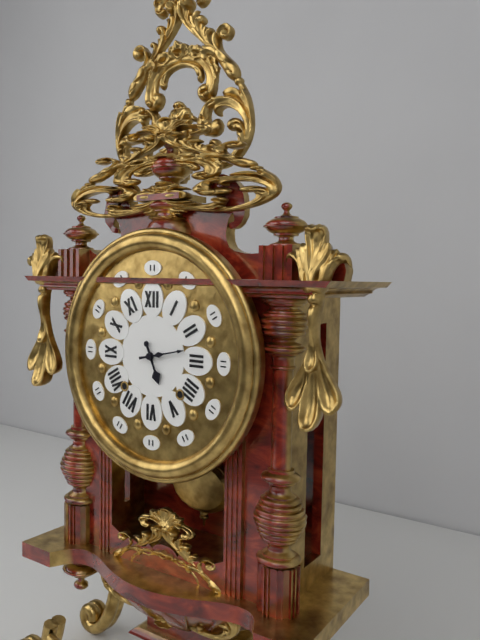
5.13
